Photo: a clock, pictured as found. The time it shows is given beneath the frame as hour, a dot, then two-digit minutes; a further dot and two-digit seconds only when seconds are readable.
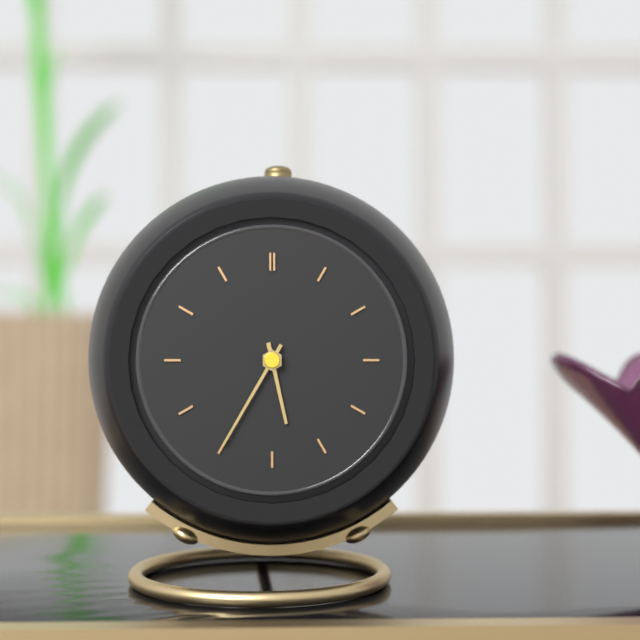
5.35
